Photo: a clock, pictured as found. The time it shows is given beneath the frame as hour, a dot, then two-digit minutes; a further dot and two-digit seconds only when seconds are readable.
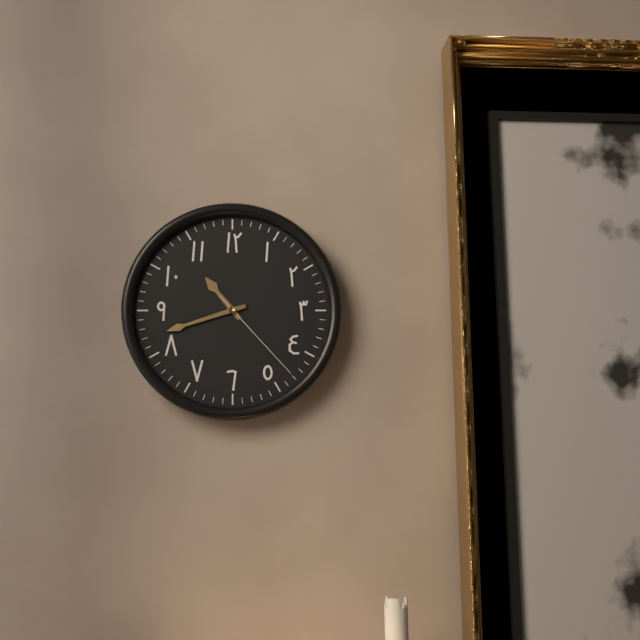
10.42.23
